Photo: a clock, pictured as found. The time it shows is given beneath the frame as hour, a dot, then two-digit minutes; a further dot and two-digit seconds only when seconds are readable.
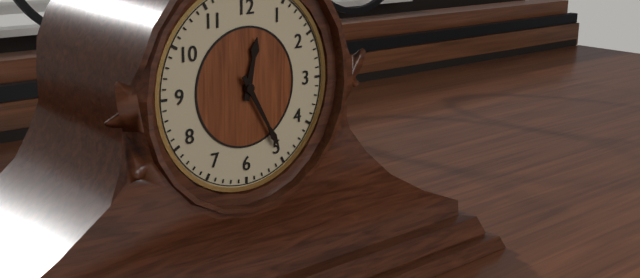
12.25
